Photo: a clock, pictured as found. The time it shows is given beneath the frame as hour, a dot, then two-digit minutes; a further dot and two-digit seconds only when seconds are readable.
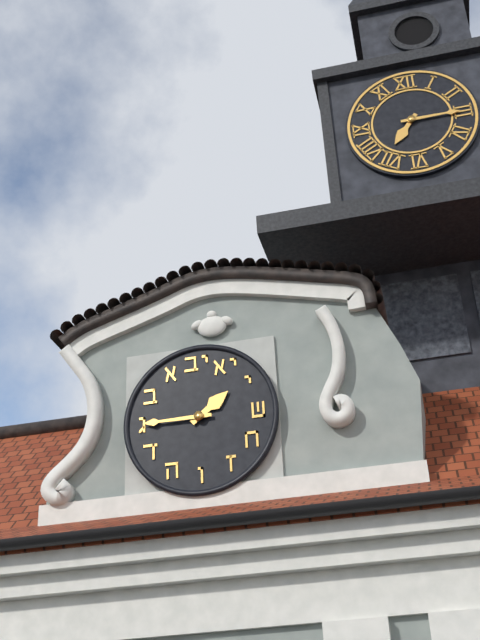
1.45
